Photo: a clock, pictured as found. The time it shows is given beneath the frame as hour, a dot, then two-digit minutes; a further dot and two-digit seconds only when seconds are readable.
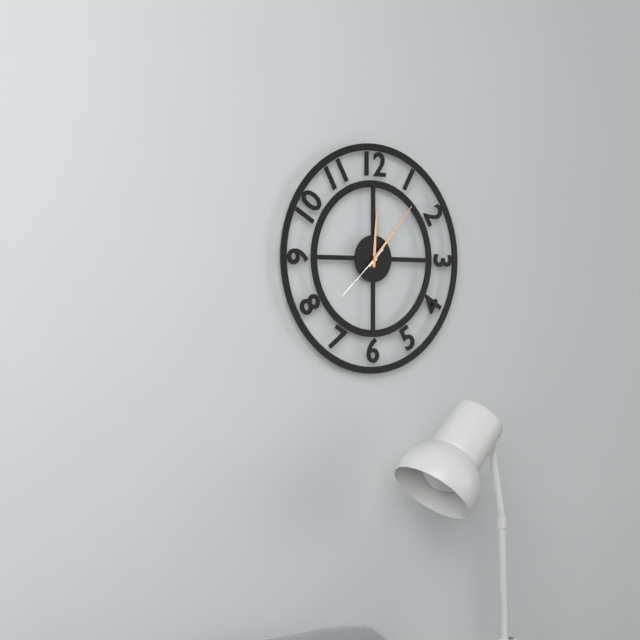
12.07.38
